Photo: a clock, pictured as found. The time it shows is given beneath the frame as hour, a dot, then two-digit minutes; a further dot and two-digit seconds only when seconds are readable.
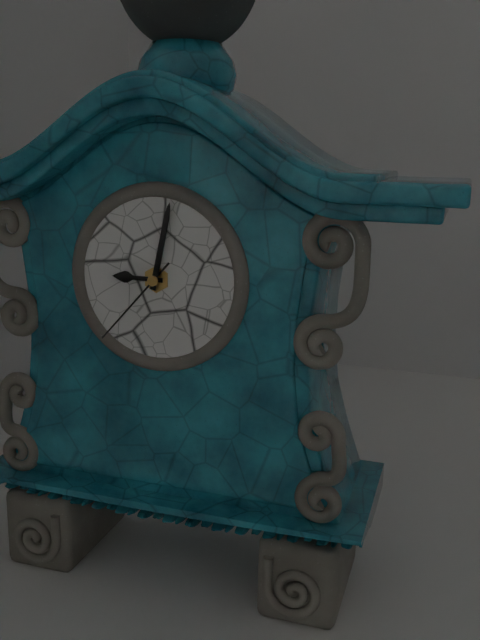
9.02.37
